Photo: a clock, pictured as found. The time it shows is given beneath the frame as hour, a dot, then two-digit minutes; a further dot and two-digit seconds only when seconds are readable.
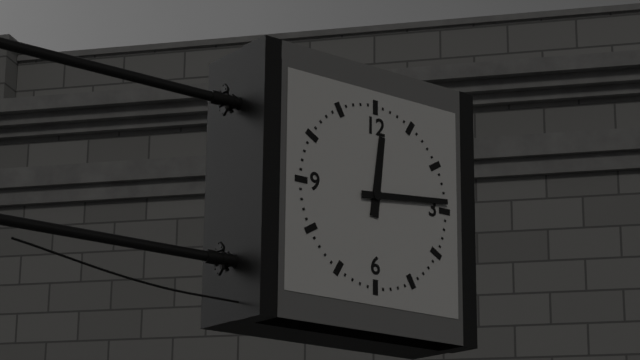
12.14
